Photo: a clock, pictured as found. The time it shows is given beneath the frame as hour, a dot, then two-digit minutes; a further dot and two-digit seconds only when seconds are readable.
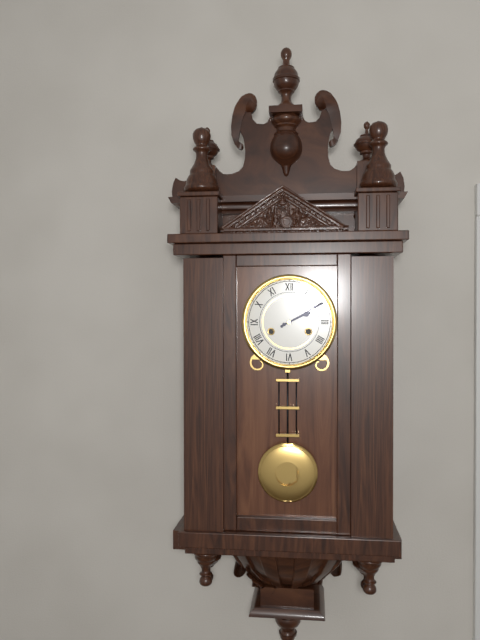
2.10
